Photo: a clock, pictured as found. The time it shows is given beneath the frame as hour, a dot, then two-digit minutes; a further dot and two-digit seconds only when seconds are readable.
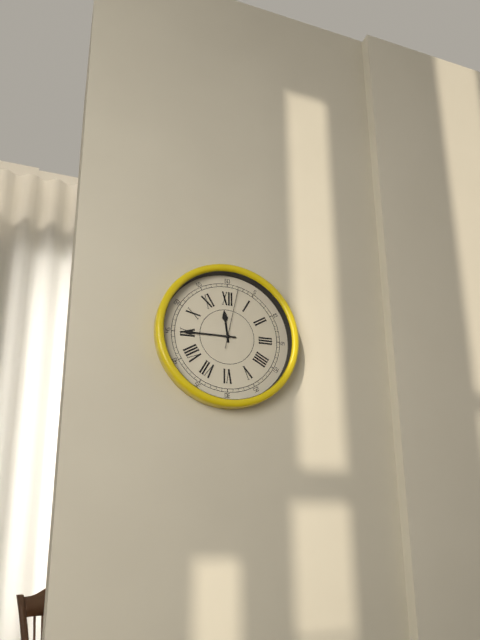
11.45.02
